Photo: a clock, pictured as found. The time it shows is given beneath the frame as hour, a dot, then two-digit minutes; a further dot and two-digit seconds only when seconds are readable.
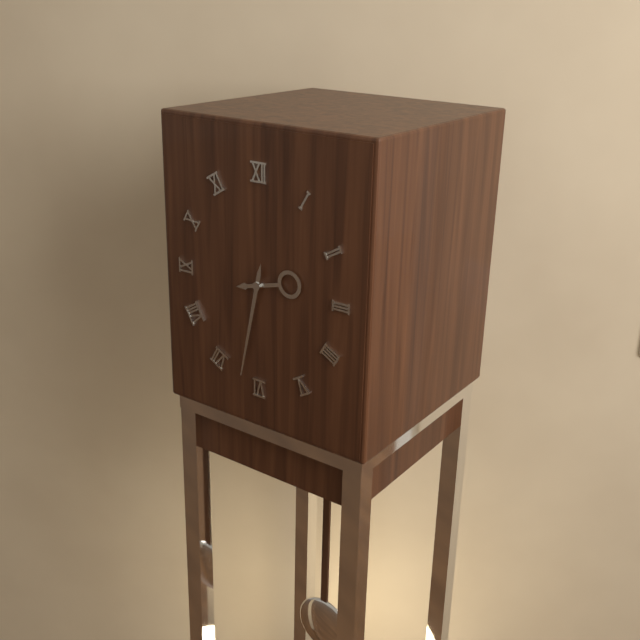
2.32
